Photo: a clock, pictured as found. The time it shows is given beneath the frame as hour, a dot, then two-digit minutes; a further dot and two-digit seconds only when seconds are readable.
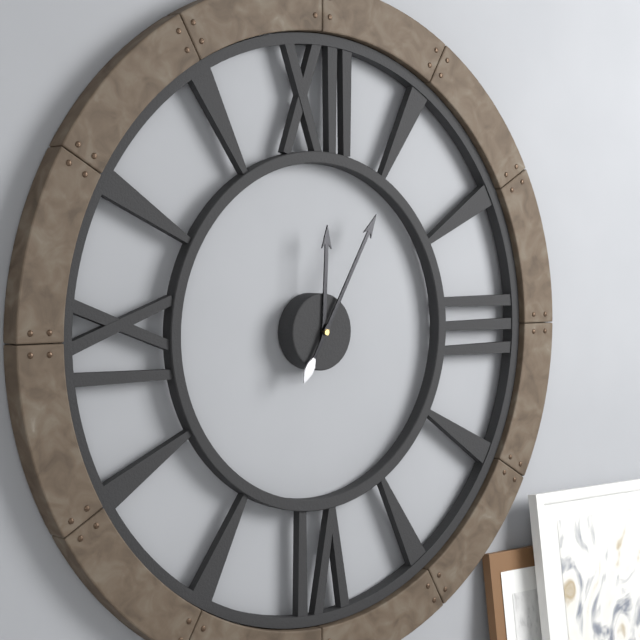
12.05
